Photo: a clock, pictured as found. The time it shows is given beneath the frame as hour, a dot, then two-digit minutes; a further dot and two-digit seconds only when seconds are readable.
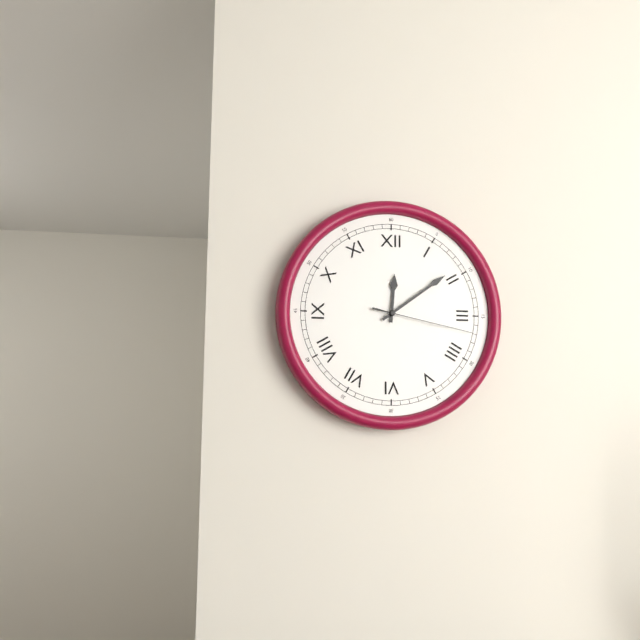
12.09.17
